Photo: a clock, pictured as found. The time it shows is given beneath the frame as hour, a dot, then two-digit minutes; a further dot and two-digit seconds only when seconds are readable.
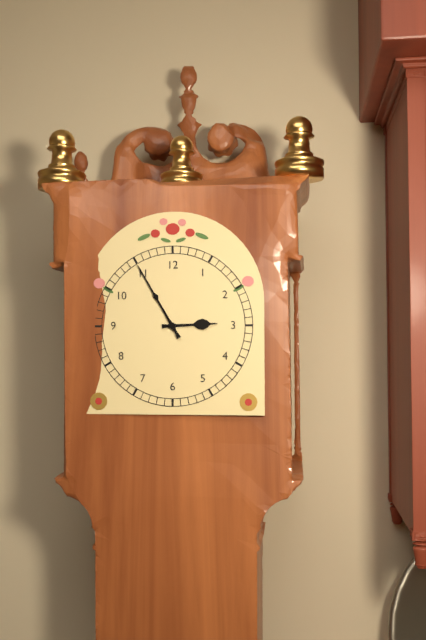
2.55
